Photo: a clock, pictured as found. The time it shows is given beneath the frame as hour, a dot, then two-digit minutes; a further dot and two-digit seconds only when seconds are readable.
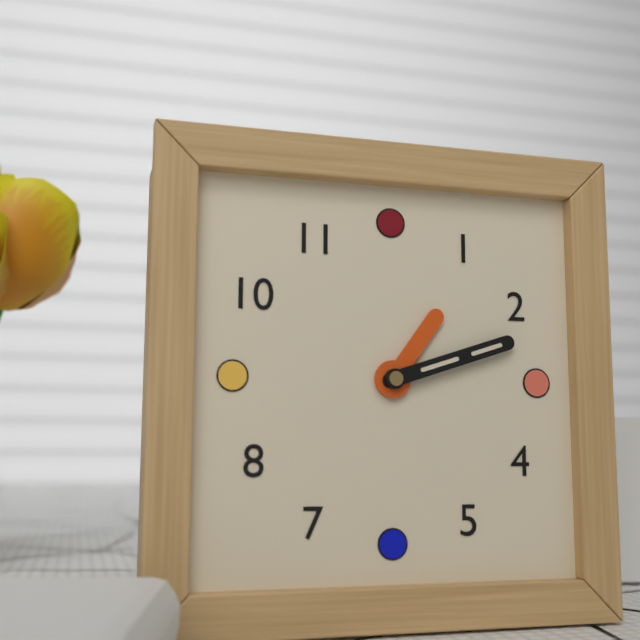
1.12
